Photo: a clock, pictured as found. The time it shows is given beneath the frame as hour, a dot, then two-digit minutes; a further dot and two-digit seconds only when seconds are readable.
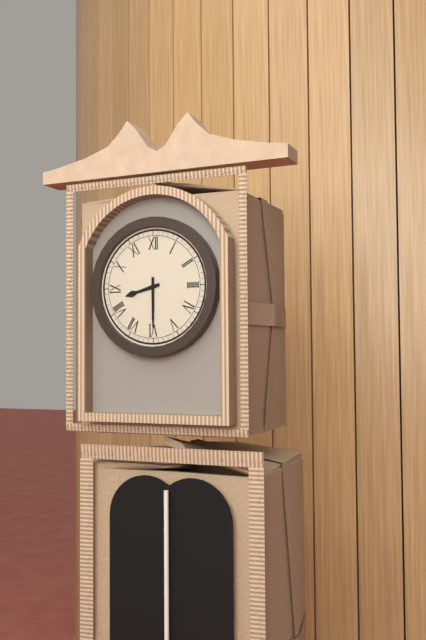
8.30
